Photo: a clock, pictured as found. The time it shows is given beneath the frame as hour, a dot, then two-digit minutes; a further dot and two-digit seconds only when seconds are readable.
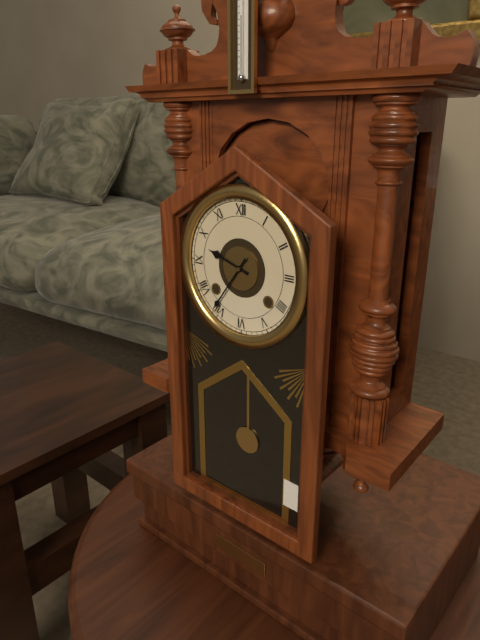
9.36
